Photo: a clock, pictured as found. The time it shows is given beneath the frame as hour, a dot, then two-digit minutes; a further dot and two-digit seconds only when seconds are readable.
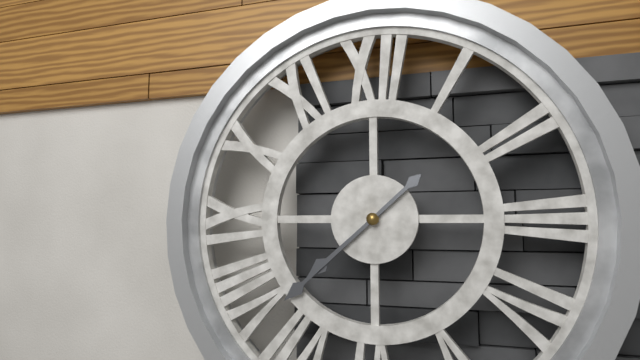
7.38
